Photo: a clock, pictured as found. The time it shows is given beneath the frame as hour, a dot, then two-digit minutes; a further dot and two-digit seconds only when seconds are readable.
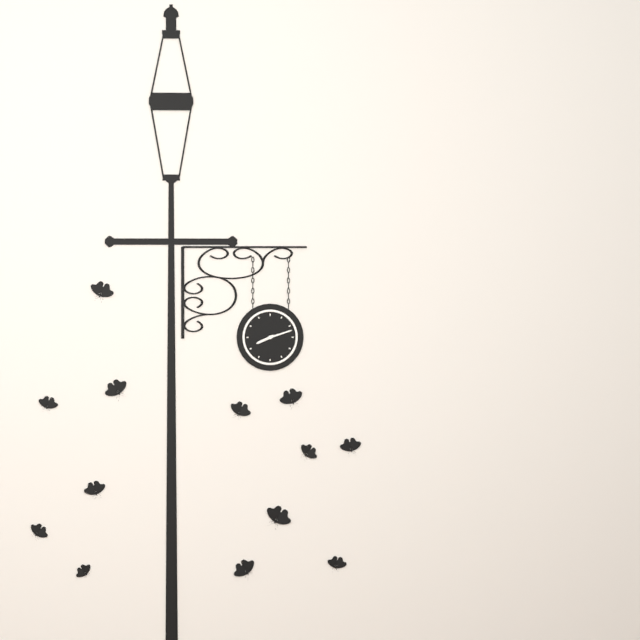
8.12
